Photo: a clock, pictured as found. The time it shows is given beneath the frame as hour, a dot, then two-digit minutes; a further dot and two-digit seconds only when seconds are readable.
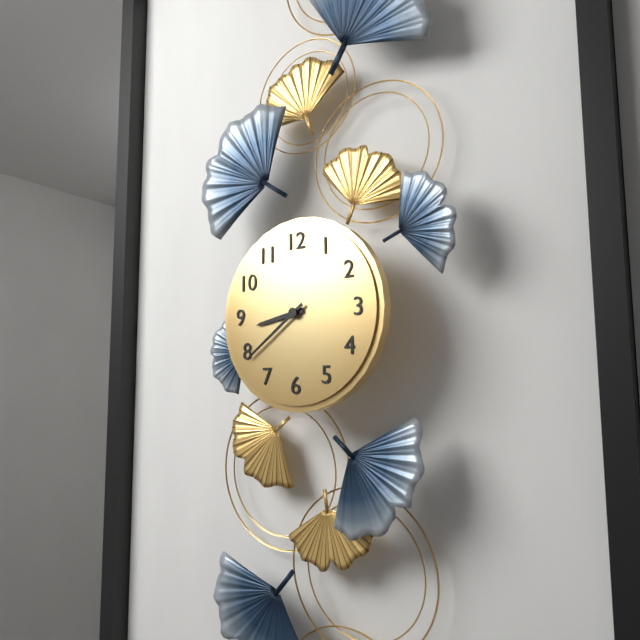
8.39
